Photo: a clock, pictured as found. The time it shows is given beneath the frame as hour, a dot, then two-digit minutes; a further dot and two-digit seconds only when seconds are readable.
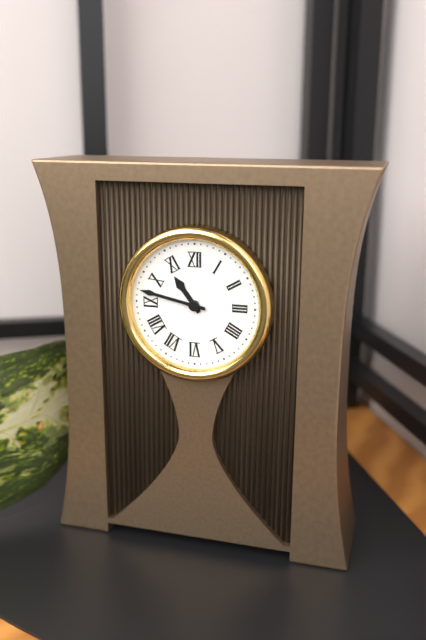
10.47
